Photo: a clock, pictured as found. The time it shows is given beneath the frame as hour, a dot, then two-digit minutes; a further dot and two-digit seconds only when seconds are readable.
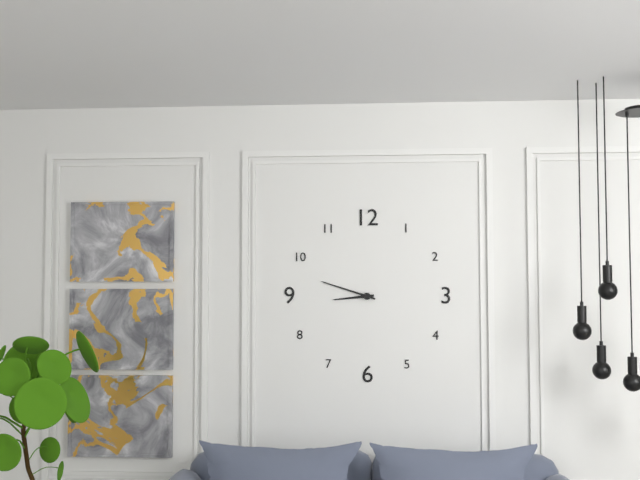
8.48
